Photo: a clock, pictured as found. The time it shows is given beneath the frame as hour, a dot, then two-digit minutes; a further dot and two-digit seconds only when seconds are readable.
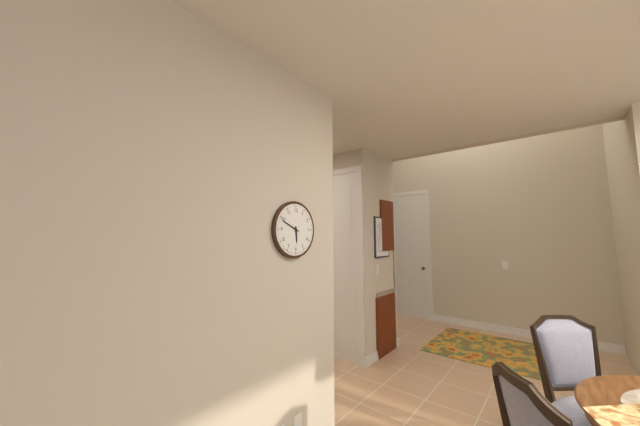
5.49
